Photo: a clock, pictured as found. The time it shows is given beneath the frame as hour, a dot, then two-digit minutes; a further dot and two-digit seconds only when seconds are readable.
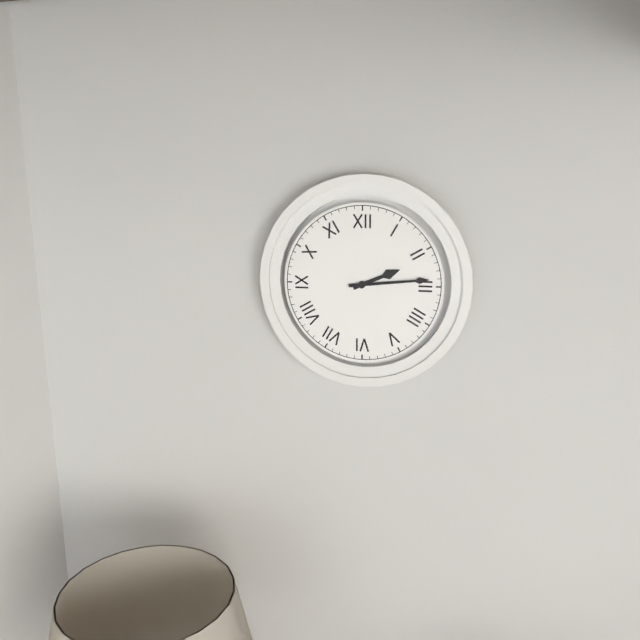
2.14
